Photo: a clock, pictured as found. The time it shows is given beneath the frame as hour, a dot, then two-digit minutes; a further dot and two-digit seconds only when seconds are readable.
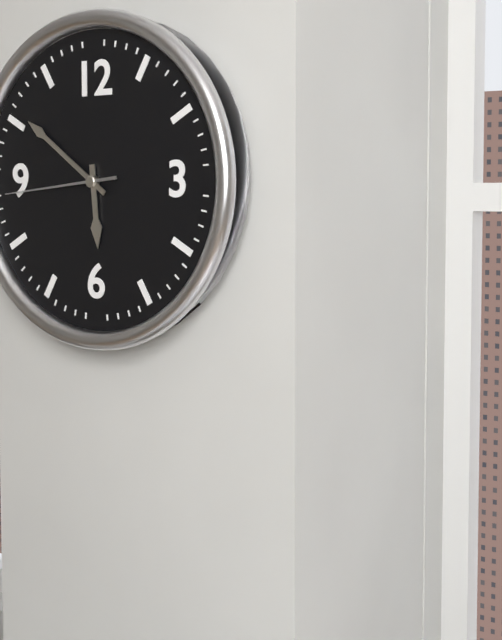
5.51.44
